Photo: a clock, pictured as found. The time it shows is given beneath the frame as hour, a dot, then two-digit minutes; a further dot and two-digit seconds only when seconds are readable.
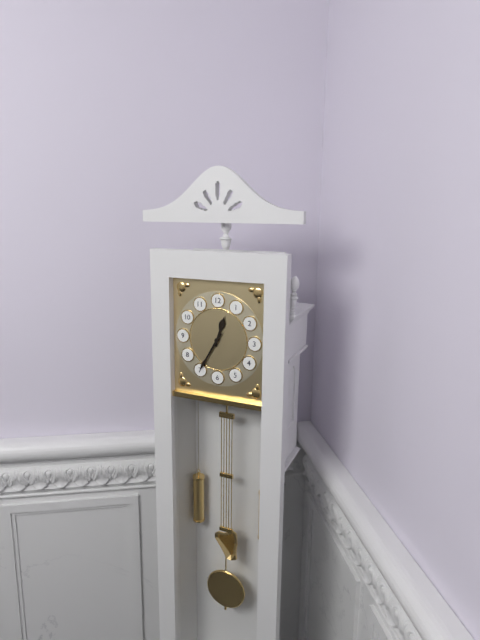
12.35
